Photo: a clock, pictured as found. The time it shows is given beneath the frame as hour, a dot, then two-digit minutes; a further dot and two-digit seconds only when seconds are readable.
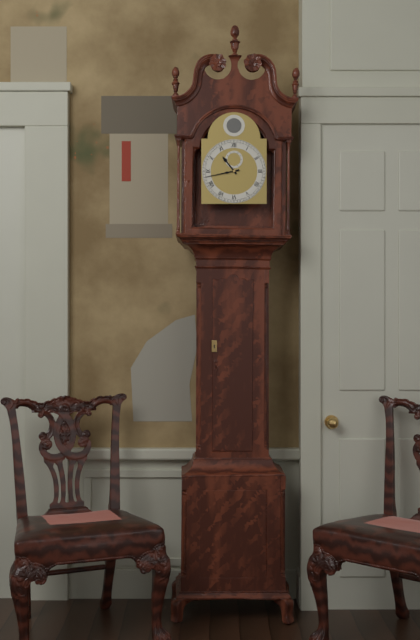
10.43
